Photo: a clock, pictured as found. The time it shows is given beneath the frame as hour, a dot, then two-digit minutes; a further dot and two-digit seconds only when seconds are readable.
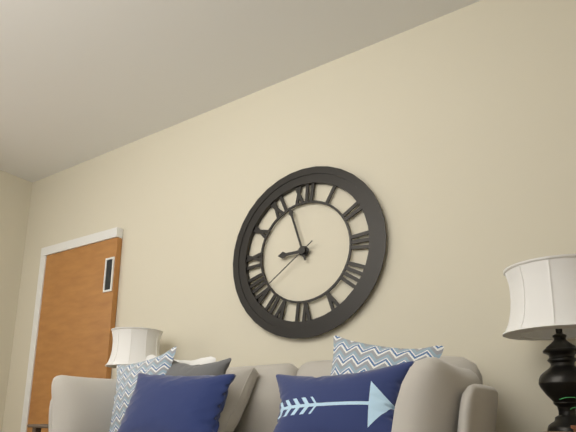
8.57.39
